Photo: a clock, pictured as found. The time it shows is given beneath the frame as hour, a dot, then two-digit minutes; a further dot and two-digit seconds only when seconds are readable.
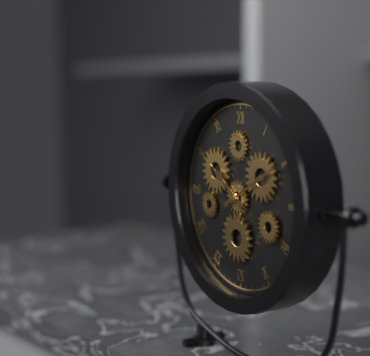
10.10
